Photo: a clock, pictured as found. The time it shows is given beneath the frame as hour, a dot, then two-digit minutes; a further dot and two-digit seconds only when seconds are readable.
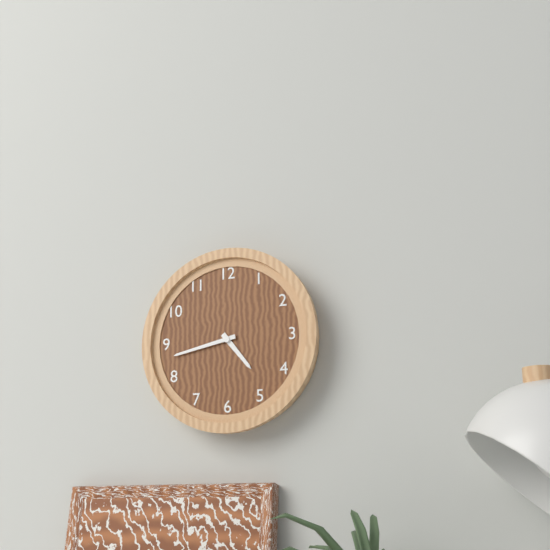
4.43
